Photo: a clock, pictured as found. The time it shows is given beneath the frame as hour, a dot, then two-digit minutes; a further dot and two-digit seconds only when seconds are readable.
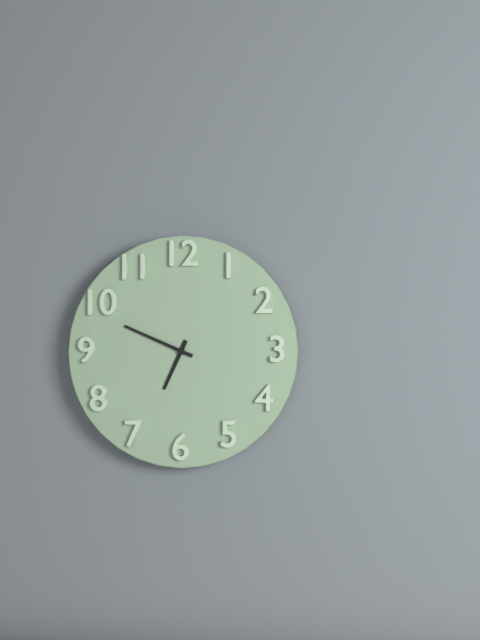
6.49
